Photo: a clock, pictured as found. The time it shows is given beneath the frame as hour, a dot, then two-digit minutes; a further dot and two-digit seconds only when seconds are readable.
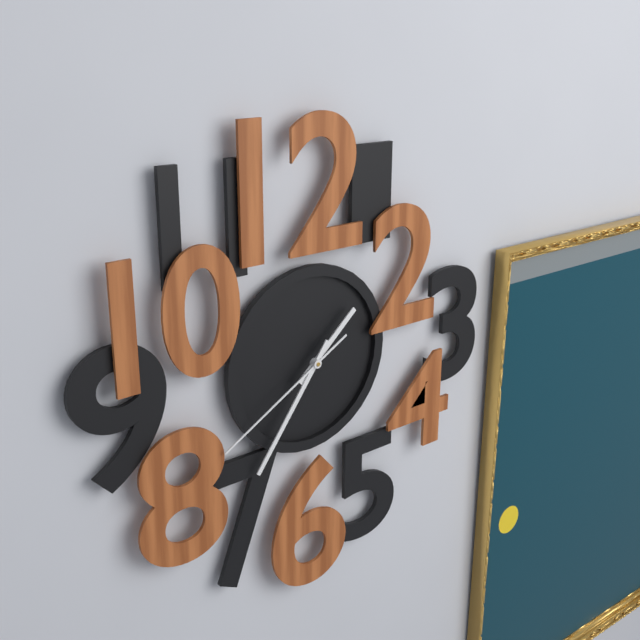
1.36.40
